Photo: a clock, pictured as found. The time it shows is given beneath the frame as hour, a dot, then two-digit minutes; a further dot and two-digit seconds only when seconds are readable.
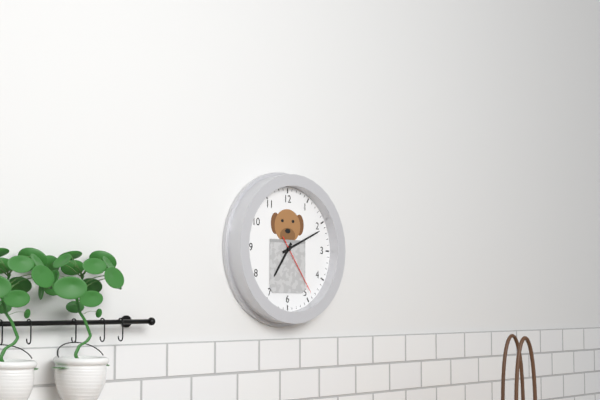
7.11.24
